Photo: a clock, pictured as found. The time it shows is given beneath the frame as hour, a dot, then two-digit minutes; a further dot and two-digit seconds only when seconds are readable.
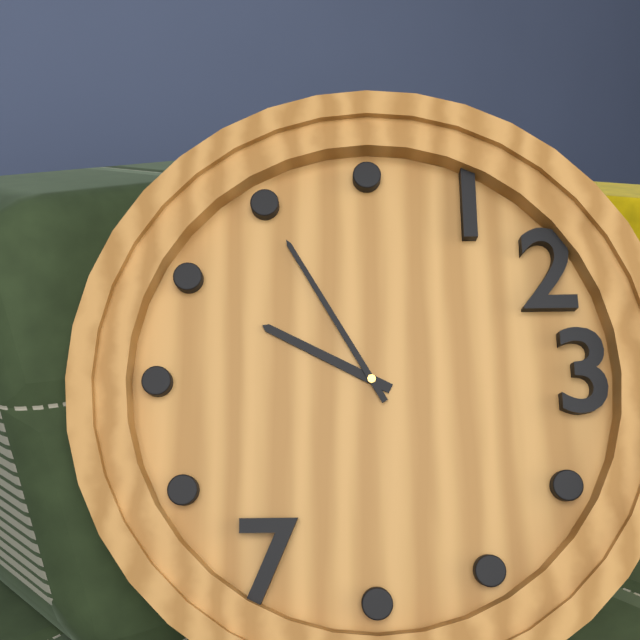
9.55
